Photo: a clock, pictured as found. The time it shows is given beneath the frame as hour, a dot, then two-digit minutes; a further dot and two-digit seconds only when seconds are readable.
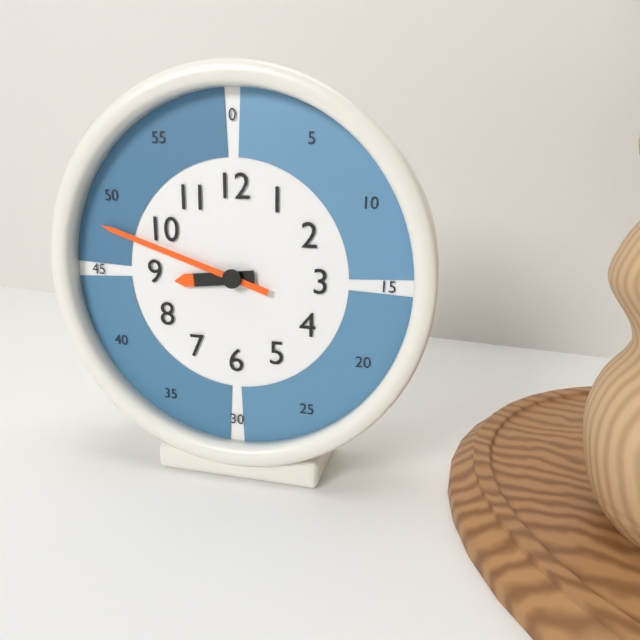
8.48
